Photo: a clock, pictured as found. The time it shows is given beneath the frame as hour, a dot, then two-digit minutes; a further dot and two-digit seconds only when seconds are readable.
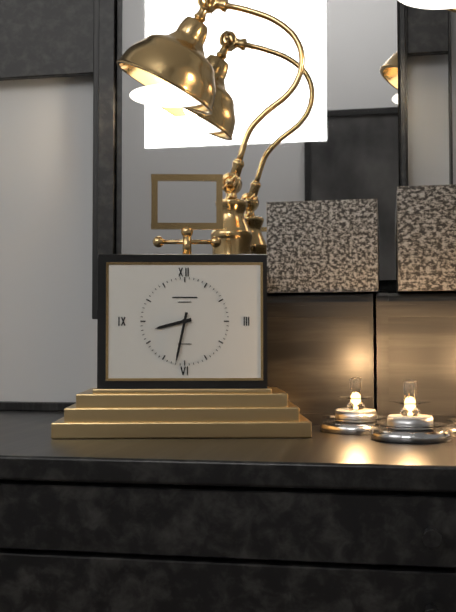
8.32
